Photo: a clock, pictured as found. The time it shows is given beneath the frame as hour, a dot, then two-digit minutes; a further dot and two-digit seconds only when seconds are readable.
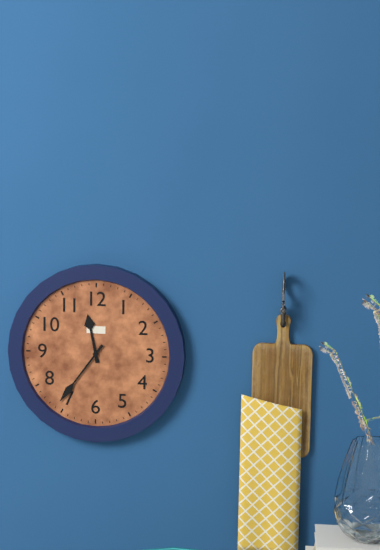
11.36
